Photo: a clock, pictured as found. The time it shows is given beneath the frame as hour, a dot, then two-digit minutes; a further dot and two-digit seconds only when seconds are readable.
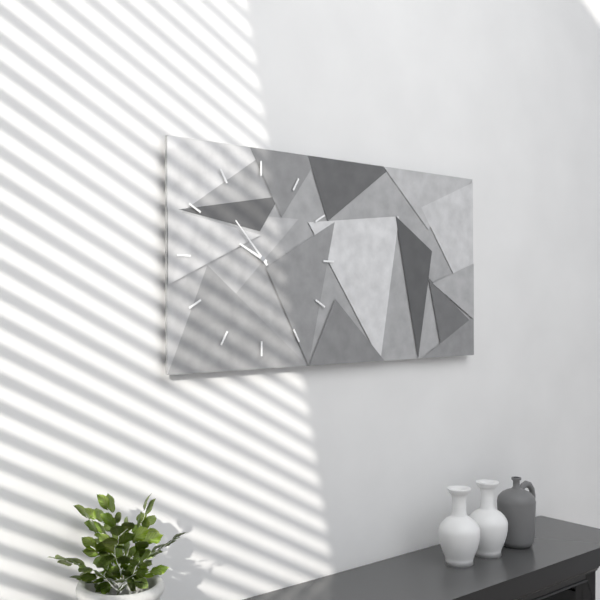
9.53
